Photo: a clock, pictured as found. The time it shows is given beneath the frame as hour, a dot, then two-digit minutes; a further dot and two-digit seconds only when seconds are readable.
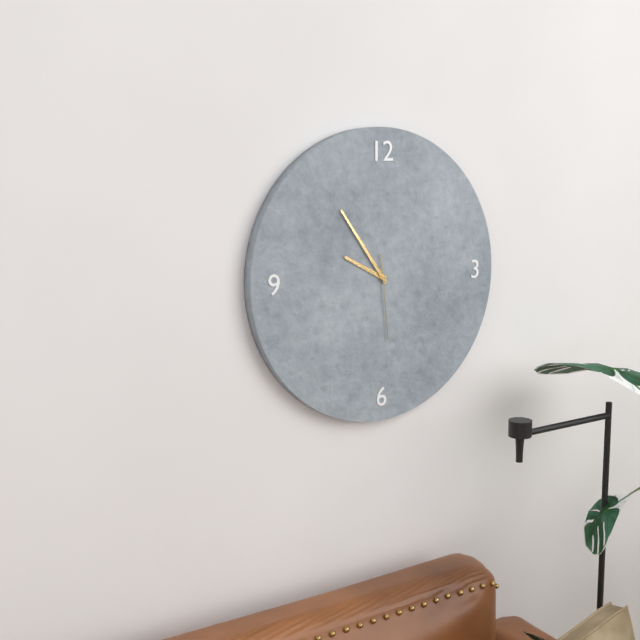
9.54.29
